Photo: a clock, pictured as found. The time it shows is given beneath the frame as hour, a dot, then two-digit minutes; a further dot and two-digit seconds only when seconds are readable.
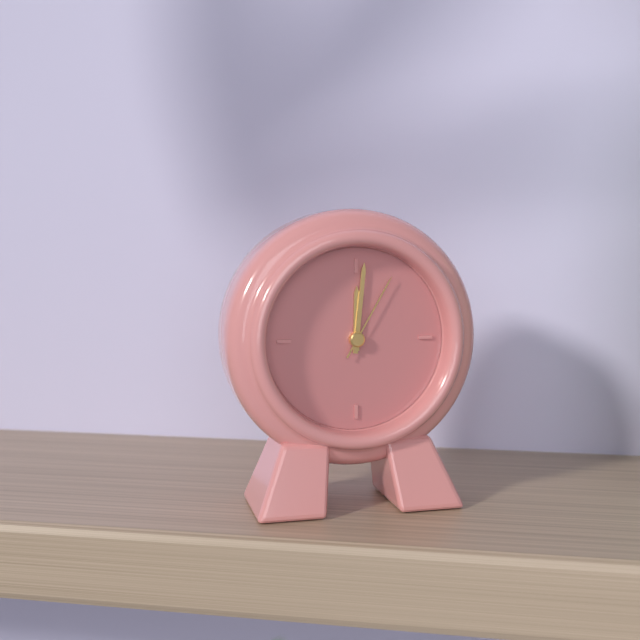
12.01.05
